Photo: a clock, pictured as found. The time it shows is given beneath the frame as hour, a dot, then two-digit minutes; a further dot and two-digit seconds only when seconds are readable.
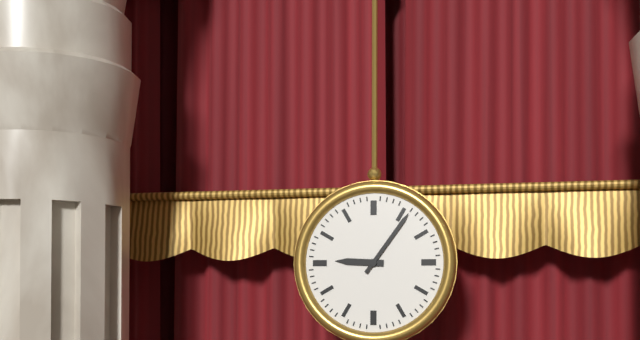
9.06
